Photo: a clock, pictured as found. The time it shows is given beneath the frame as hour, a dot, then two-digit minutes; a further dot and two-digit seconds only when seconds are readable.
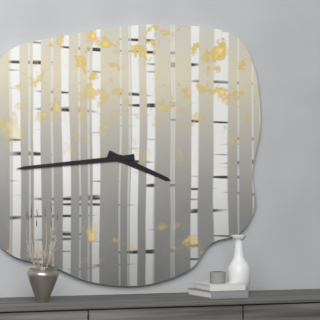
3.44
